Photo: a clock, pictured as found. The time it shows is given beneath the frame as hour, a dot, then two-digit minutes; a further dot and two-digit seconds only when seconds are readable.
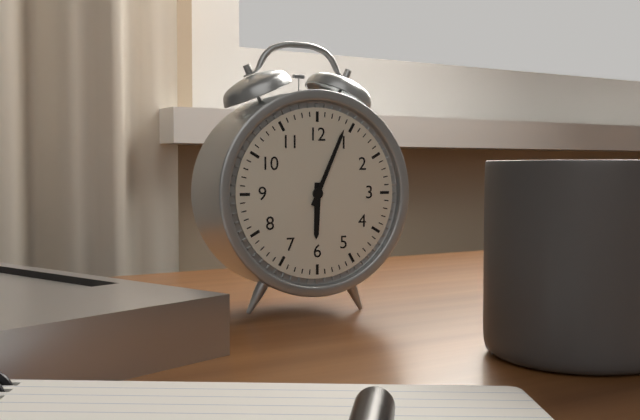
6.04
